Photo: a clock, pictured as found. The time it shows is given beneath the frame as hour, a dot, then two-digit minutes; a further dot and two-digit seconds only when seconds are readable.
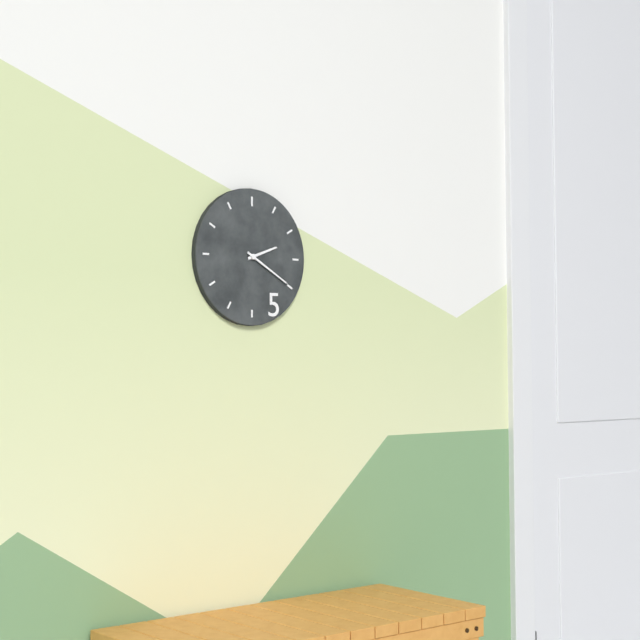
2.20
